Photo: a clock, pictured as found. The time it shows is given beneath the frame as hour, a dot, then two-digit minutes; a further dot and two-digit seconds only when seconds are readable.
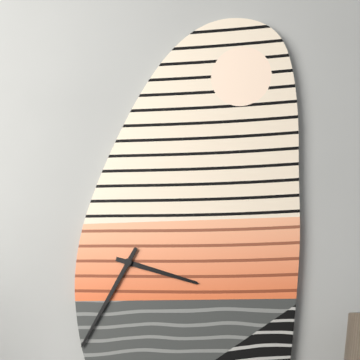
3.35
